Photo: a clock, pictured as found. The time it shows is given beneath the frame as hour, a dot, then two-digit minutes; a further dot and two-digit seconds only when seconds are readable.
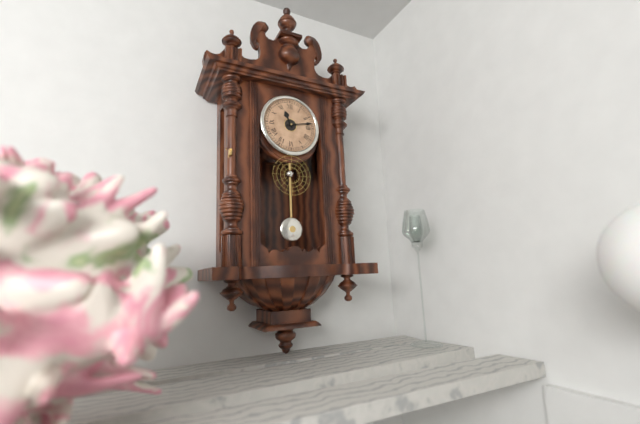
11.13
